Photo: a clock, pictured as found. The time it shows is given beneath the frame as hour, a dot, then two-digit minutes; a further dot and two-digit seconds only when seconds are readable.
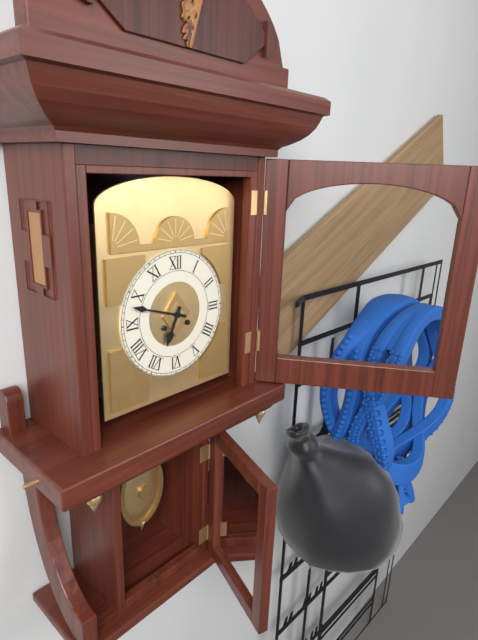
6.48
